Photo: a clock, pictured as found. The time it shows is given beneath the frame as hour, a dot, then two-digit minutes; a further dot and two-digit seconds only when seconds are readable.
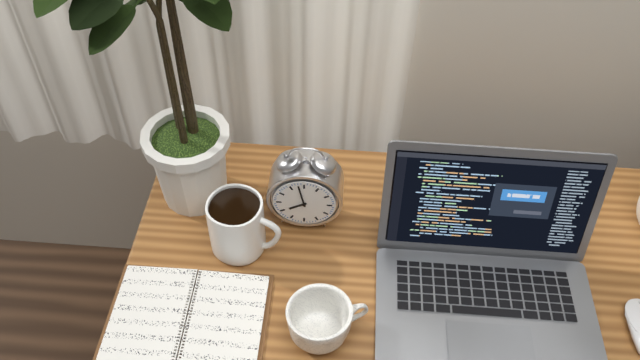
7.58
